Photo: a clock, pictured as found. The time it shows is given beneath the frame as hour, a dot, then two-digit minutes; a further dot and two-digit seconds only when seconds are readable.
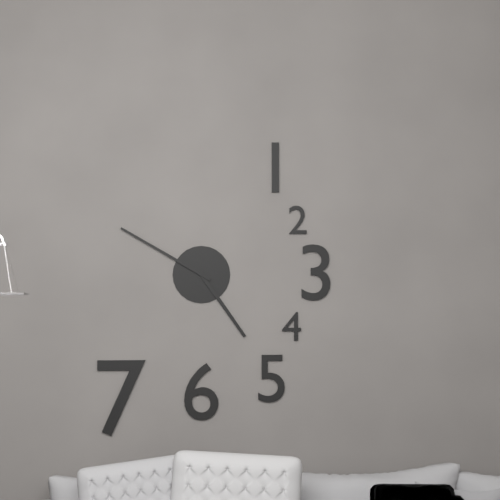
4.50
